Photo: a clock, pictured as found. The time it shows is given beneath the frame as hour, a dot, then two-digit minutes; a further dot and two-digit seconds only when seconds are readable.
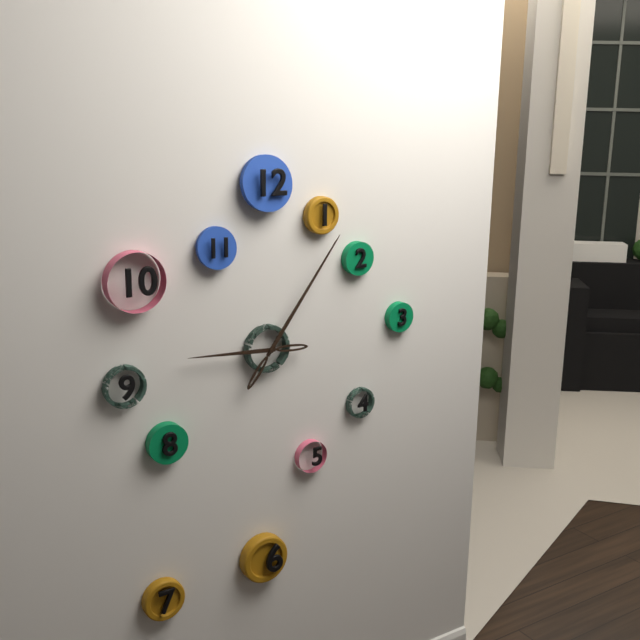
9.06
